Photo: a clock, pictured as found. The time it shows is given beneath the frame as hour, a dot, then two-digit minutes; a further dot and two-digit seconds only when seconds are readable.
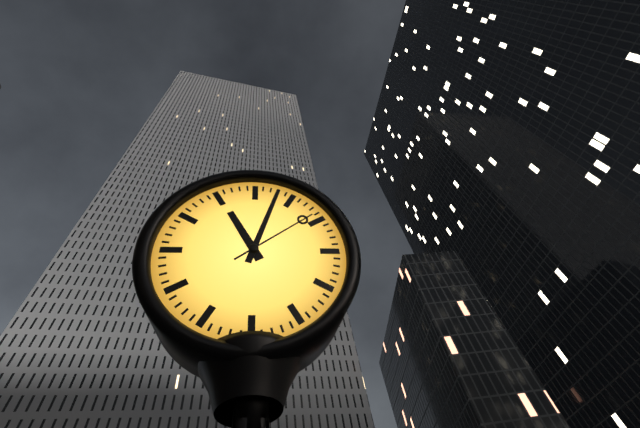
11.03.09
